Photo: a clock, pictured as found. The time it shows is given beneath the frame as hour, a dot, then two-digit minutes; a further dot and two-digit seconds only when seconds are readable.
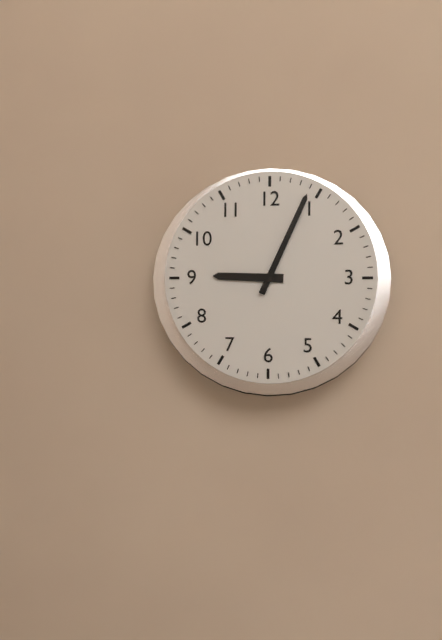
9.04
